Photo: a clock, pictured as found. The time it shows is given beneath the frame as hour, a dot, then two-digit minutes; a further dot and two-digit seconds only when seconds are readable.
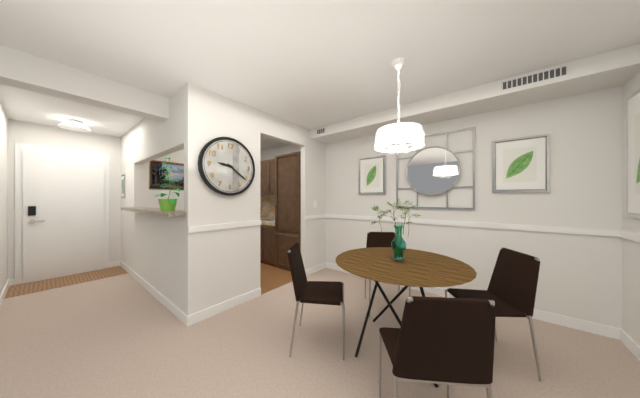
9.21
